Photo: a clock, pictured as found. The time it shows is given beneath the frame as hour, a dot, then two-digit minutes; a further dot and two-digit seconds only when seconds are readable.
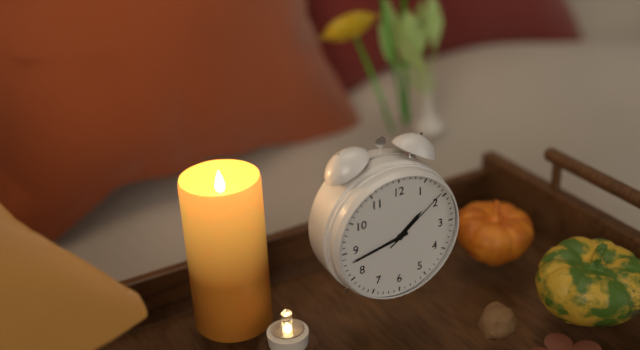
1.43.09
